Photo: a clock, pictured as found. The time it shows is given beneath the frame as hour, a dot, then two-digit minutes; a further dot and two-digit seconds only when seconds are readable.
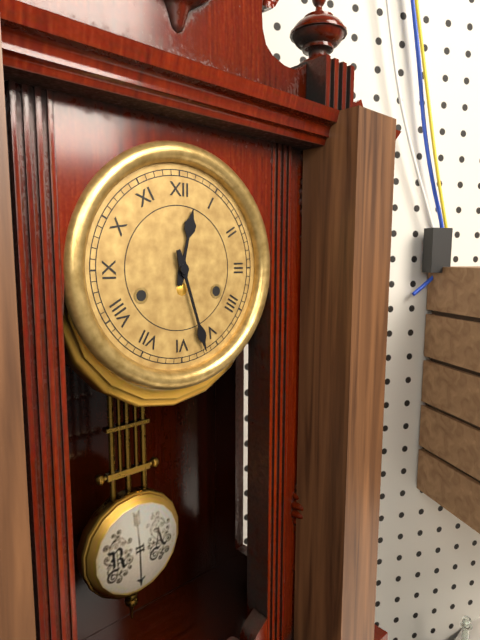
12.27
